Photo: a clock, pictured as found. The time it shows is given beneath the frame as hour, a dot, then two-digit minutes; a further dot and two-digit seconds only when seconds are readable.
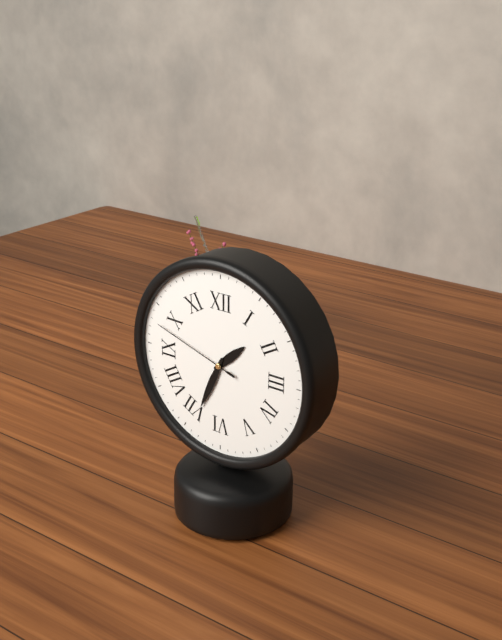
1.34.48
